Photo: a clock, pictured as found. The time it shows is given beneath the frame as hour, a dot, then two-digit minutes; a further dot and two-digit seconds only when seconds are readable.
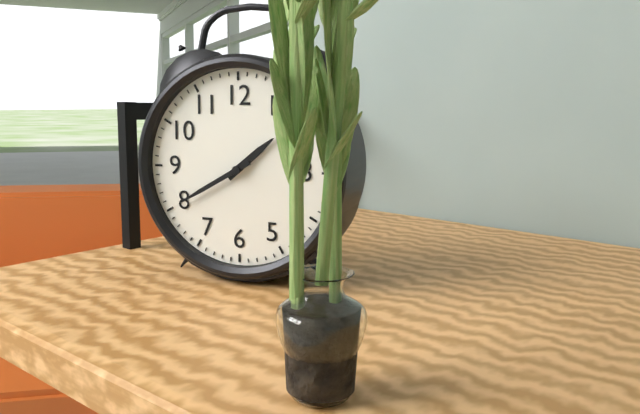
1.40
